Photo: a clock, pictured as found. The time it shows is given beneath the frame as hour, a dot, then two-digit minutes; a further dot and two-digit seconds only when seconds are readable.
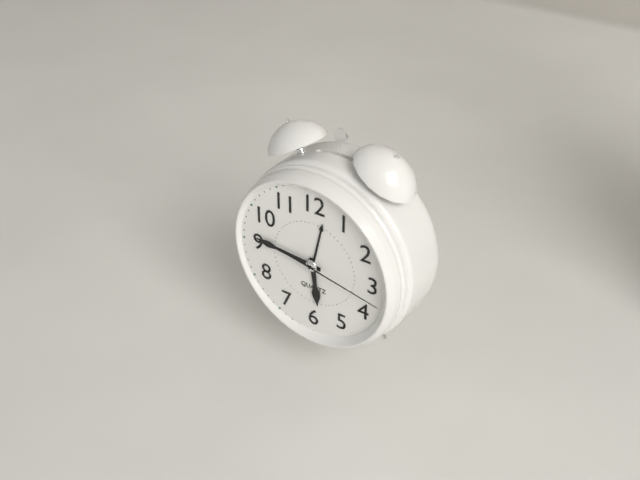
5.46.17
